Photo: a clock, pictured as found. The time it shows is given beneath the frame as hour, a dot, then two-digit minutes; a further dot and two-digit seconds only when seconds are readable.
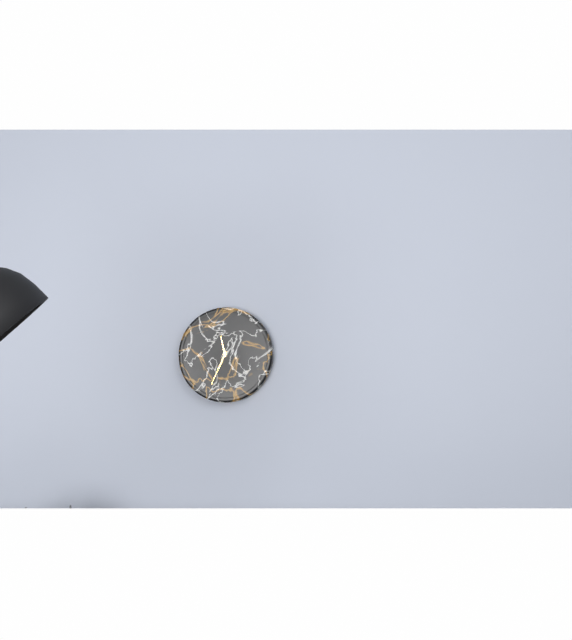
11.34
